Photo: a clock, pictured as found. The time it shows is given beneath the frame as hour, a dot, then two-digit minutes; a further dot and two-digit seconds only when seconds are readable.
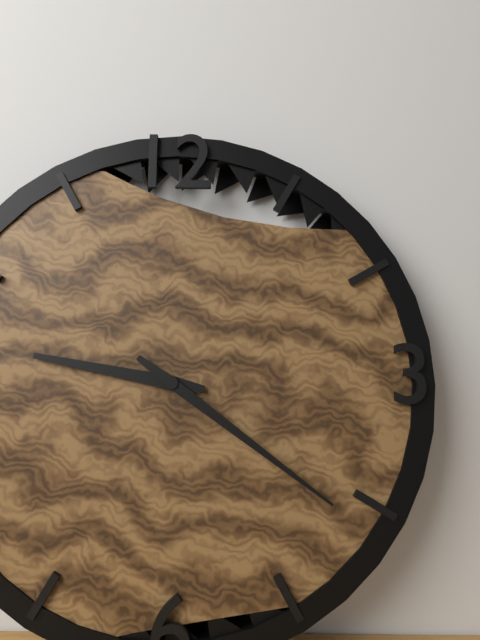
9.21
